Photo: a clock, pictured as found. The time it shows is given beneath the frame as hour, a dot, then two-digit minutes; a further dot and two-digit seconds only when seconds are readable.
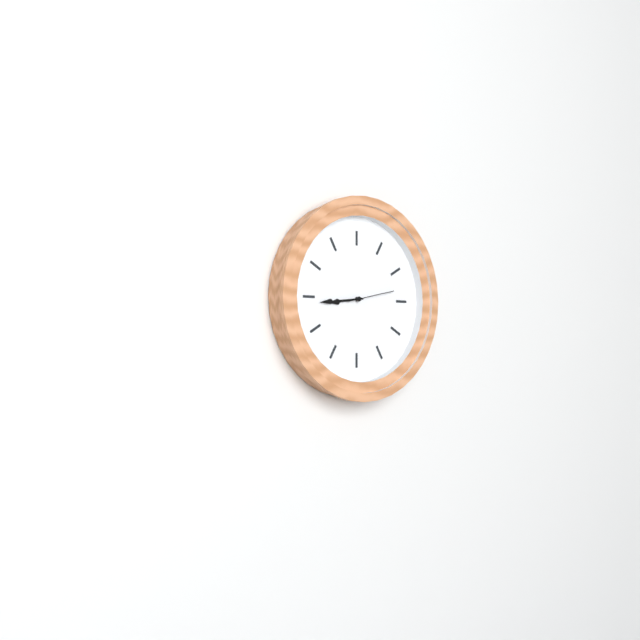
8.44
